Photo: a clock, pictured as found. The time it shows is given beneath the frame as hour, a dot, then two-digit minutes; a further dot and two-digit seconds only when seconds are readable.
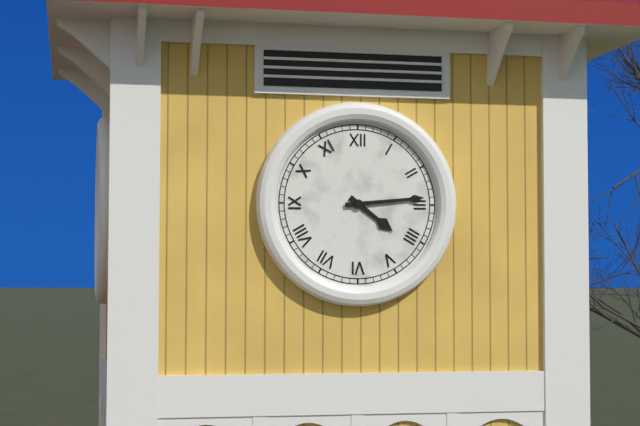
4.14
